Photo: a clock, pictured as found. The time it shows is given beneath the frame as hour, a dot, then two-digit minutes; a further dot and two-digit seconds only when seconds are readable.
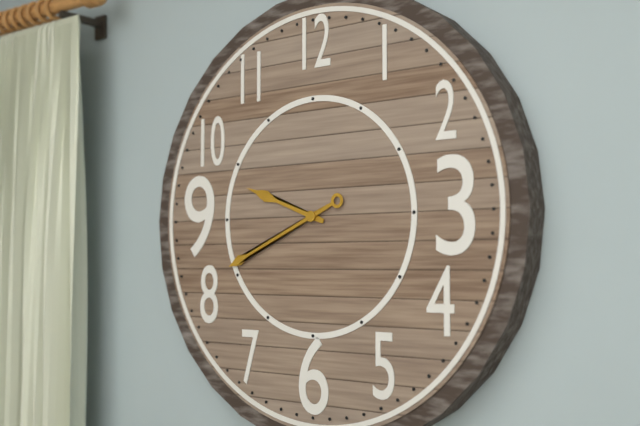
9.41
